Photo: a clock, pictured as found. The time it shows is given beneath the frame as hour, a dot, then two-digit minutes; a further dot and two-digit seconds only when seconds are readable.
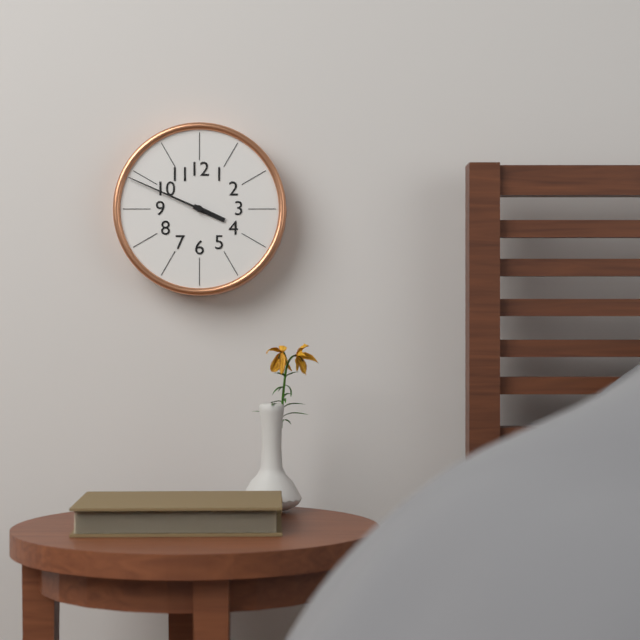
3.49
